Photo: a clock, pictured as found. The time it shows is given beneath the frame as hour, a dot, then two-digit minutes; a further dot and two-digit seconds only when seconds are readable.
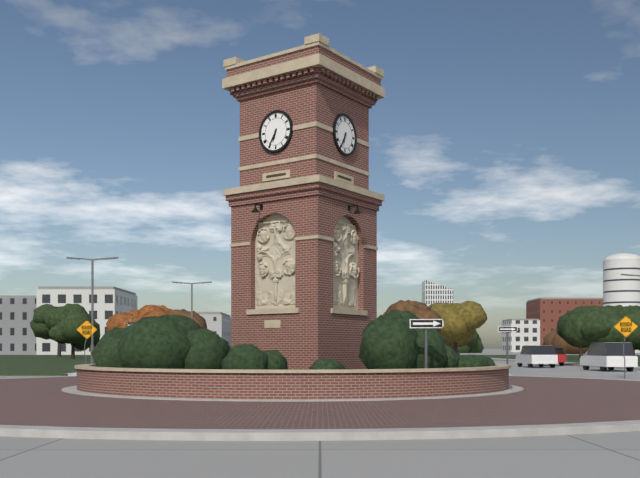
6.35
